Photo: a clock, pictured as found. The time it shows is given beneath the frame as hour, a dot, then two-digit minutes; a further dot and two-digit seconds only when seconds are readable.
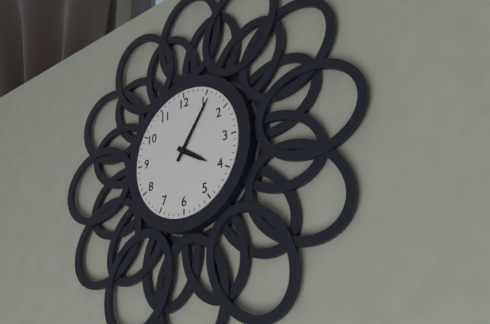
4.06
